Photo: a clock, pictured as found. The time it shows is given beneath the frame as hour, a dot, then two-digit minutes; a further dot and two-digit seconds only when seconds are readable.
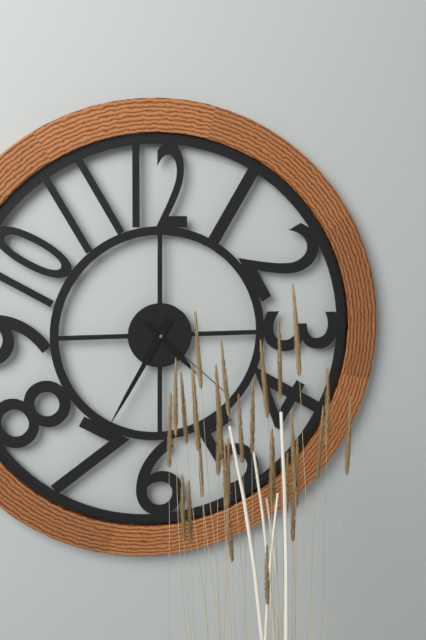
4.35.22
